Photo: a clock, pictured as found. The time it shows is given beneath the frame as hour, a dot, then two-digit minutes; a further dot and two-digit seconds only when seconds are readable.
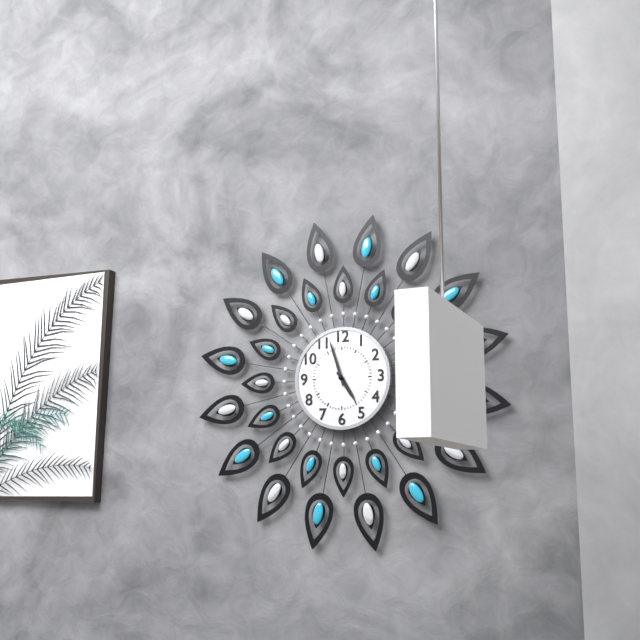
4.57
